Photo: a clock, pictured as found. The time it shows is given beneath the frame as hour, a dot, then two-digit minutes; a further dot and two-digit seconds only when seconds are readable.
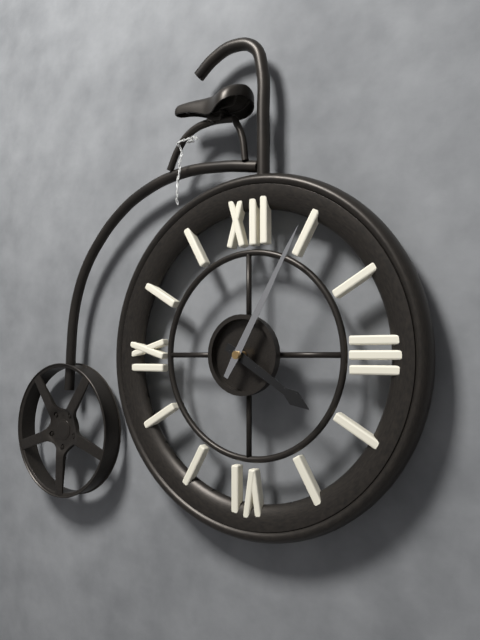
4.05
